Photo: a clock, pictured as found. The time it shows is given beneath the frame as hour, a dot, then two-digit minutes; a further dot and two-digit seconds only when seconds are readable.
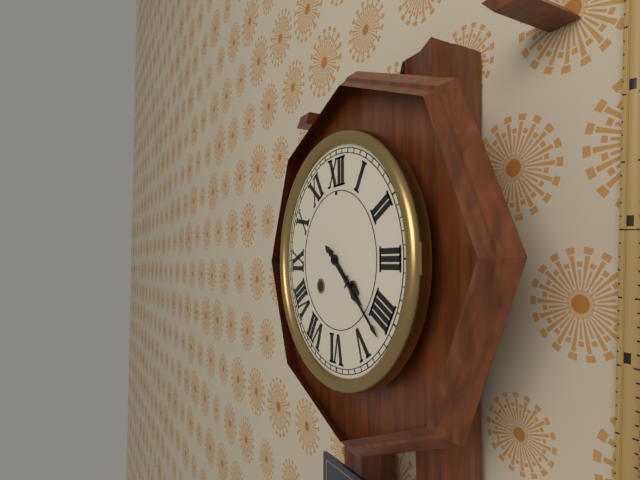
4.22
